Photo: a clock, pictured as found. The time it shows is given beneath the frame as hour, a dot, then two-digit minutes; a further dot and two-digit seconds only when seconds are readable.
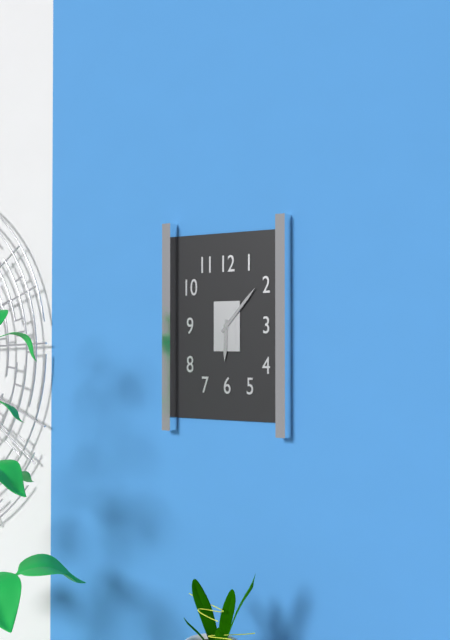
6.07
